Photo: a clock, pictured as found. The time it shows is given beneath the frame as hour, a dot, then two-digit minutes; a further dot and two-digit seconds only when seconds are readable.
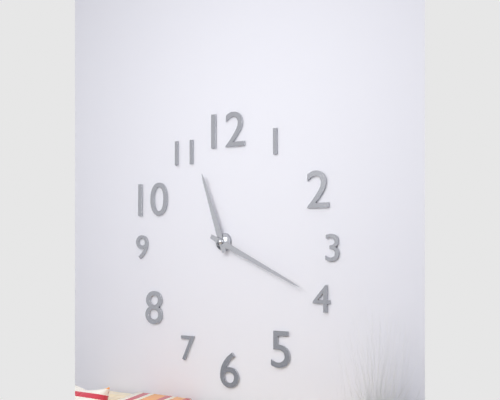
11.19
